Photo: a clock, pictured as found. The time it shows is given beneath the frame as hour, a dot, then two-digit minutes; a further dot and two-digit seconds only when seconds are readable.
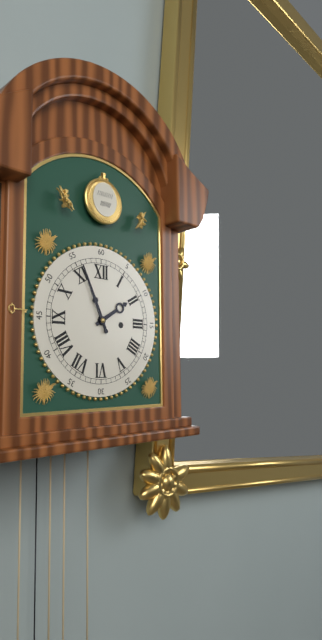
1.56
